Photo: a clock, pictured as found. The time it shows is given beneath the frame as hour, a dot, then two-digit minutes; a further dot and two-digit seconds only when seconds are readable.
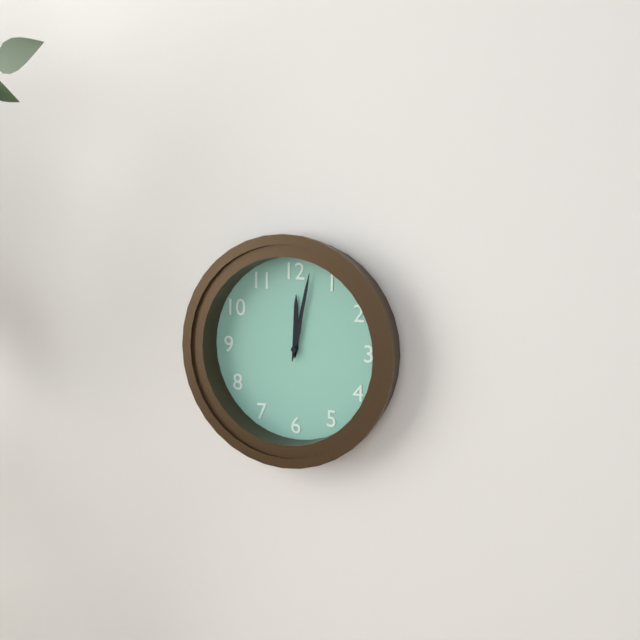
12.02
